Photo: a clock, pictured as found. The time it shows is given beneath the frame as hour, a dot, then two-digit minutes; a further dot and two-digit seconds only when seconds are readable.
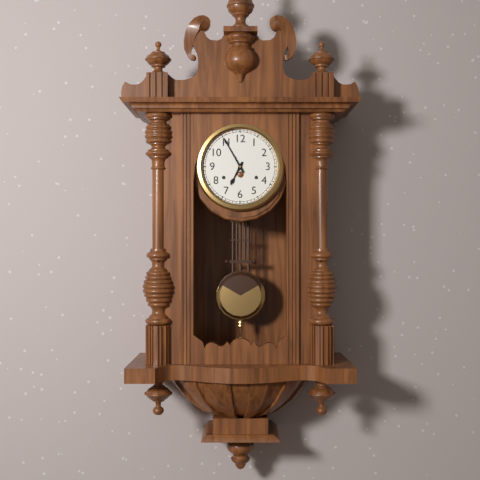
6.55
